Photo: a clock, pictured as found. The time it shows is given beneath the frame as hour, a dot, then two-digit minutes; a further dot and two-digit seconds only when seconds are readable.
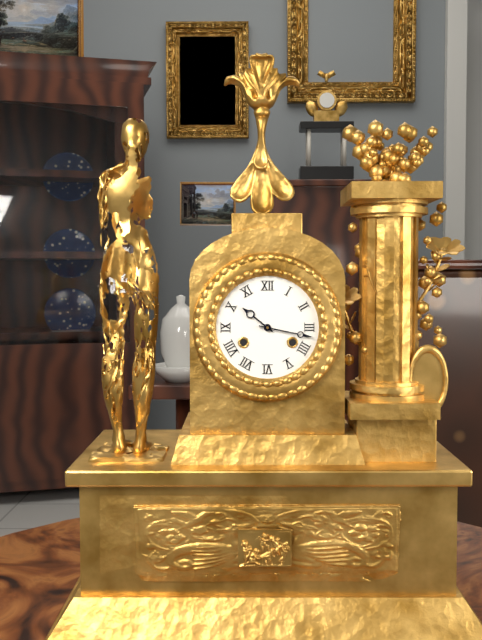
10.17
